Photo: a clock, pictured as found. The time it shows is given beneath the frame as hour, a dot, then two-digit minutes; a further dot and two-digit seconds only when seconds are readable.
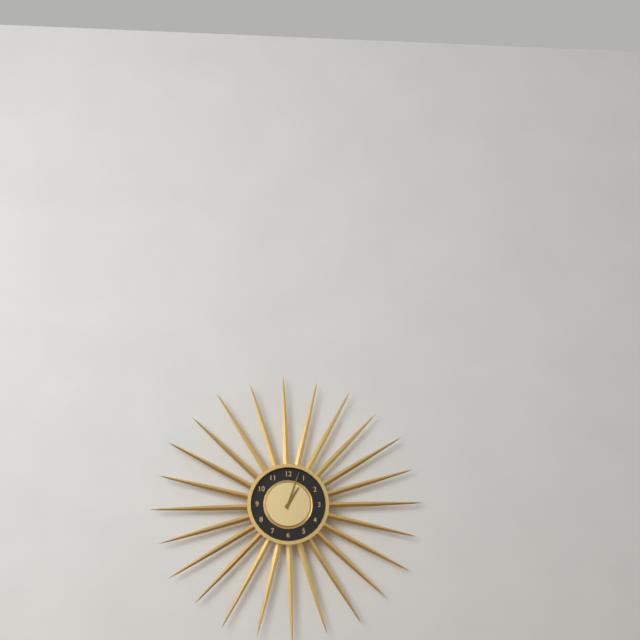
1.03
